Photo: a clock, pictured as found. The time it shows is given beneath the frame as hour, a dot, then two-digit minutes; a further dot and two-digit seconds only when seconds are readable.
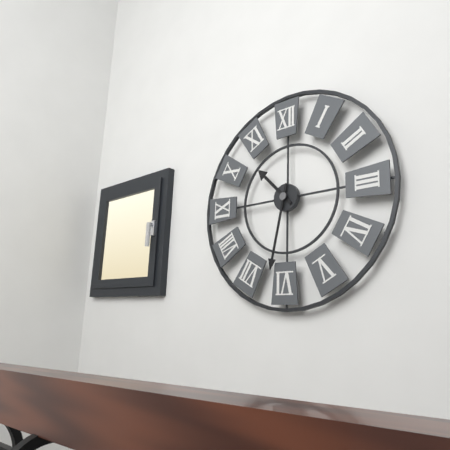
10.32
